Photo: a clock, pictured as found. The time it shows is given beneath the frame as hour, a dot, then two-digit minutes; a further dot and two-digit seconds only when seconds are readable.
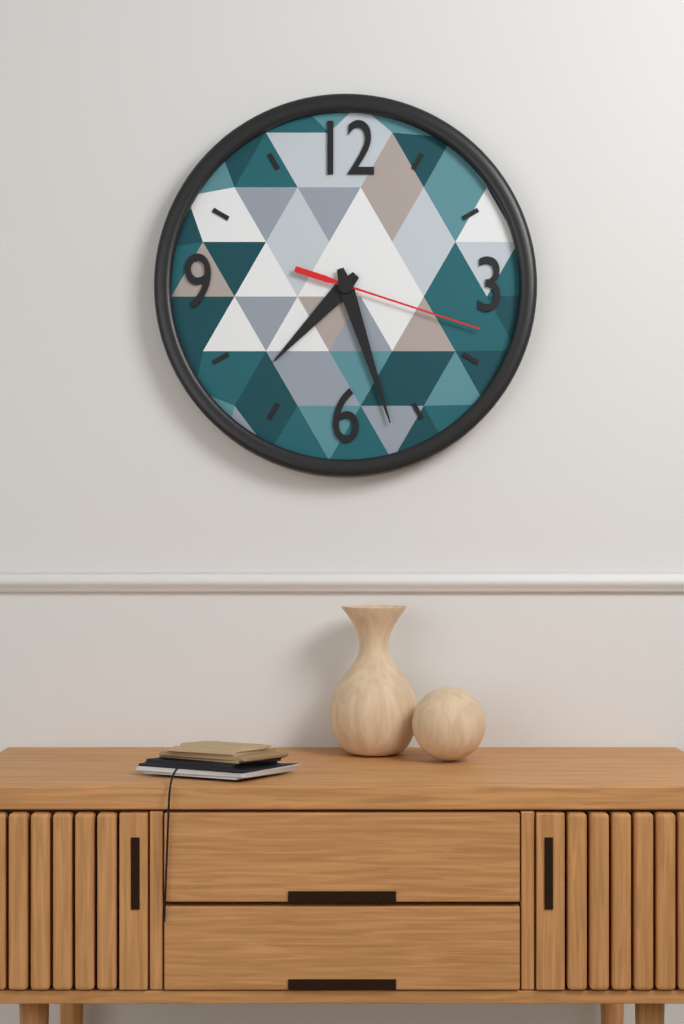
7.27.18
